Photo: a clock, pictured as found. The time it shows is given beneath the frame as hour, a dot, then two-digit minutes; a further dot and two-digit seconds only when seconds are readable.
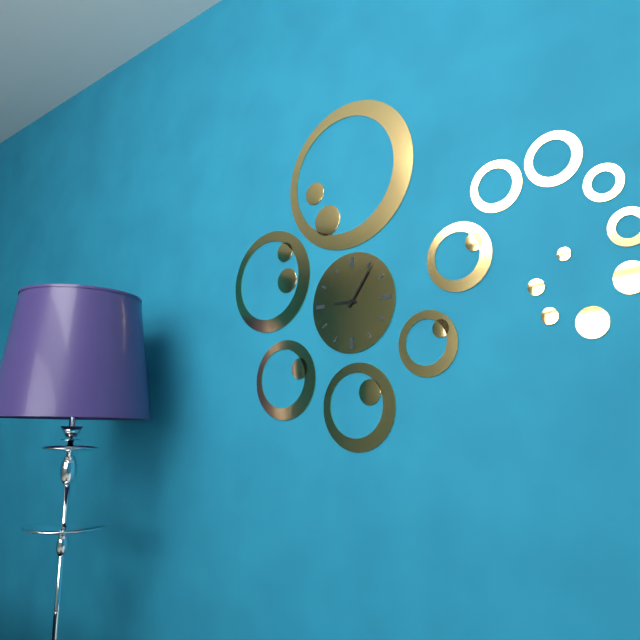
9.06
